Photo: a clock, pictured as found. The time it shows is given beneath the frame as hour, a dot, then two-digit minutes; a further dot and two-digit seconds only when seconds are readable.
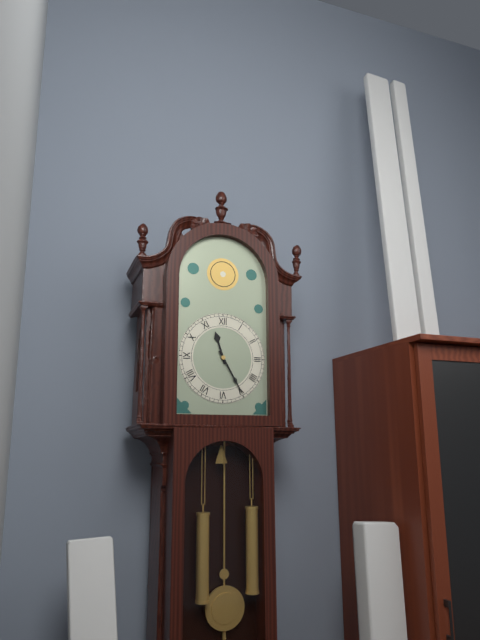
11.25
